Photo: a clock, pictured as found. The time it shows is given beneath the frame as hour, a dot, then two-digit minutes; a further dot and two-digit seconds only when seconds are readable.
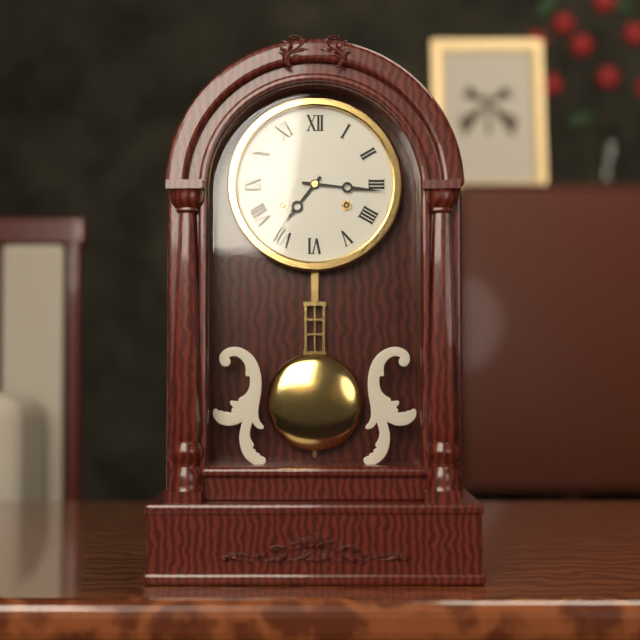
7.16
